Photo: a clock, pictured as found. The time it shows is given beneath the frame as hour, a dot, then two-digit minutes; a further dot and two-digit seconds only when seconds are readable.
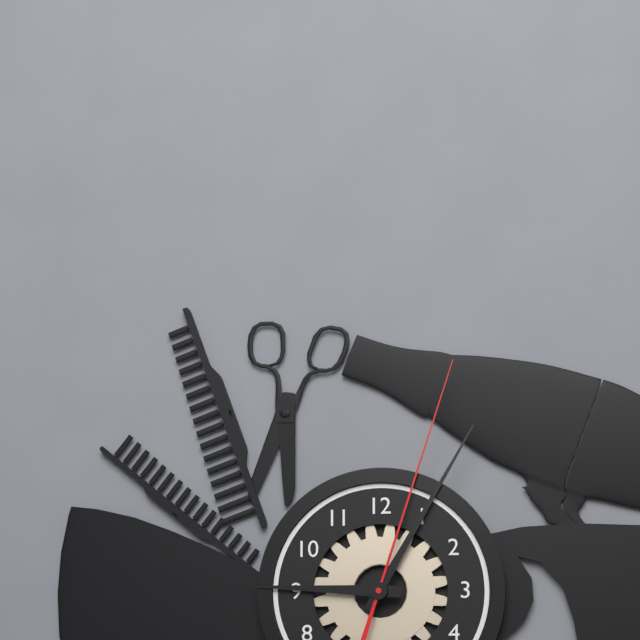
9.05.03
